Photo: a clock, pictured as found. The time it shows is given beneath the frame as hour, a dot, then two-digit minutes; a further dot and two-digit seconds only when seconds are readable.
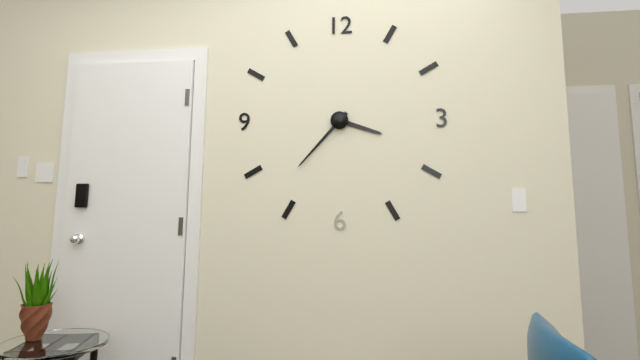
3.37
